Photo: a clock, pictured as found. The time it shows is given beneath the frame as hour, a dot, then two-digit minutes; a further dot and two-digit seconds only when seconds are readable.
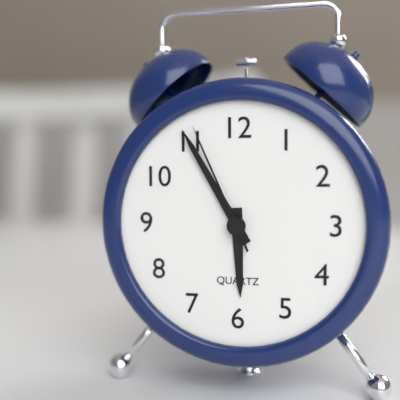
5.55.56
